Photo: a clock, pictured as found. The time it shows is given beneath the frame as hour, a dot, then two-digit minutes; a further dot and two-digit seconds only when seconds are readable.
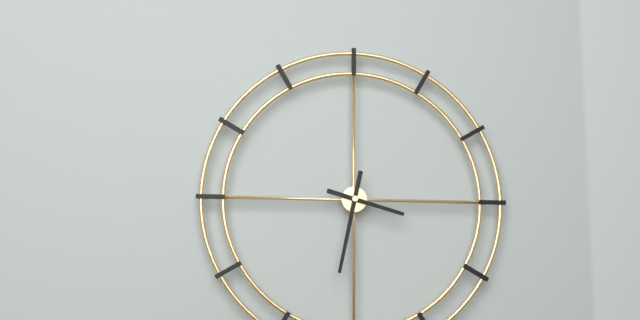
3.32
